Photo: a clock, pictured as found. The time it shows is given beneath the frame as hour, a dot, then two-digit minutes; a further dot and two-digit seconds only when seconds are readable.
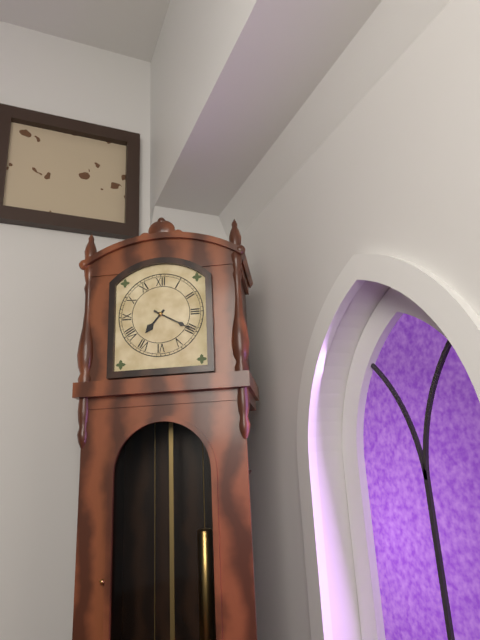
7.20
